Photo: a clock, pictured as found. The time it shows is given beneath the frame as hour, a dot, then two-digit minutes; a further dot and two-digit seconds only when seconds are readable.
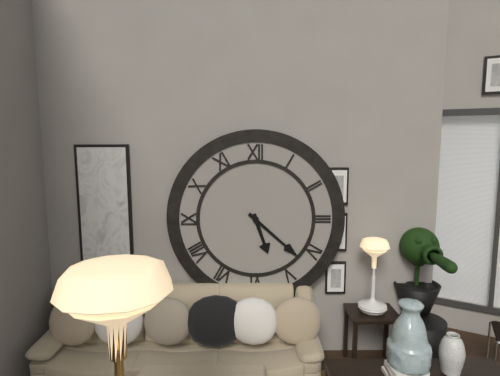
5.22
